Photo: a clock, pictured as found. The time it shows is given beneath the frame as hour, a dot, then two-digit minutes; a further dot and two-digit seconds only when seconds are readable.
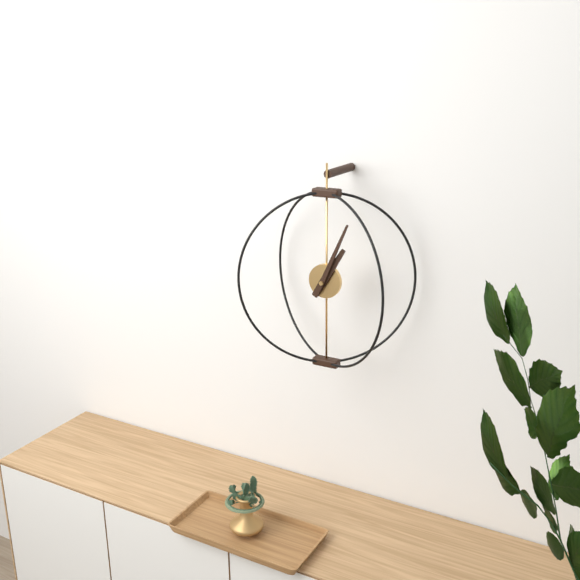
1.04
